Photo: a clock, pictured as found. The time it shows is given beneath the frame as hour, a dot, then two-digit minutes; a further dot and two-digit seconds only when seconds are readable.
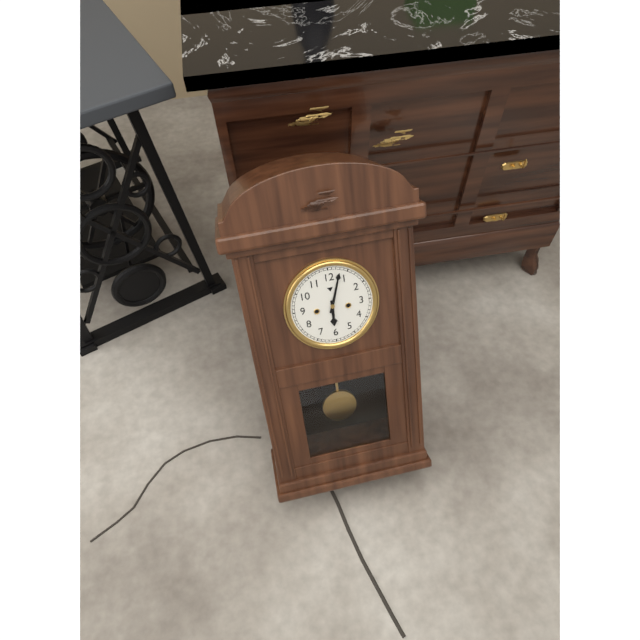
6.03
